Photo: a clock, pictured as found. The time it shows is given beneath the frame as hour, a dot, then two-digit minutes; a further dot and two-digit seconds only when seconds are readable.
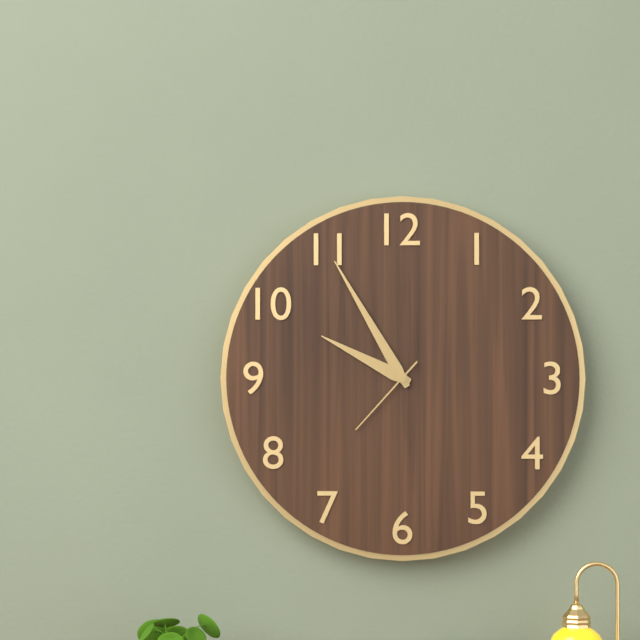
9.55.37
